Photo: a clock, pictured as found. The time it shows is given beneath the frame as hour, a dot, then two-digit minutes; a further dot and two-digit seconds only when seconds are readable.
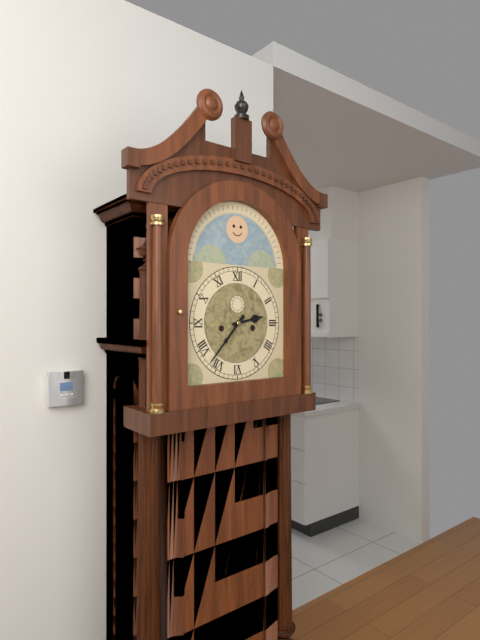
2.37
